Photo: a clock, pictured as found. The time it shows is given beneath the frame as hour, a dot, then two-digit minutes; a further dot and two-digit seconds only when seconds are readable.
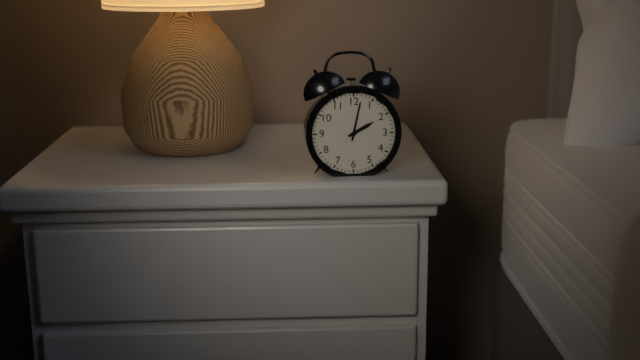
2.02
